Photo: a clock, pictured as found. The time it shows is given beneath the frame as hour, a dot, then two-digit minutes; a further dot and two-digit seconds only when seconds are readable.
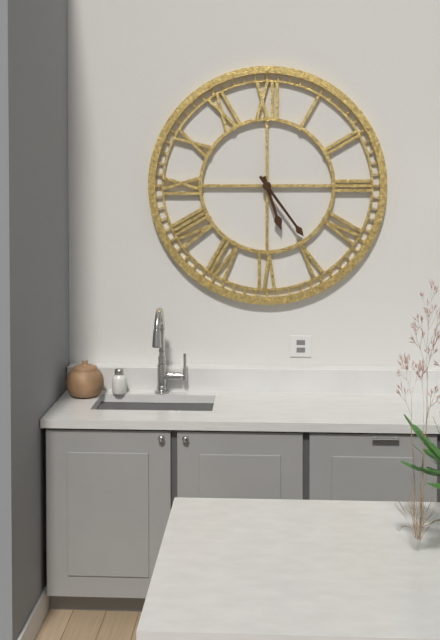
5.24
